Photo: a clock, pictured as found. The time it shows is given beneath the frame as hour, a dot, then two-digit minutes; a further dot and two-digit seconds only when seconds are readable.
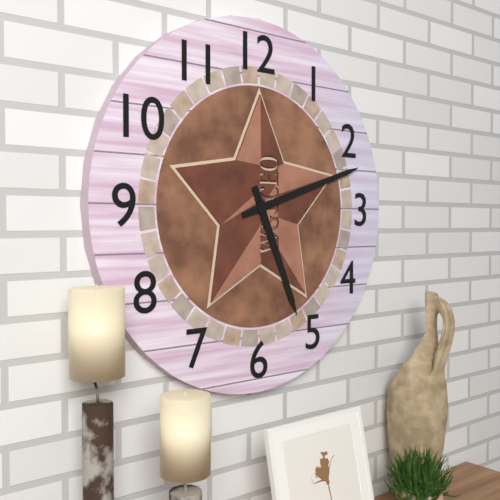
5.12
